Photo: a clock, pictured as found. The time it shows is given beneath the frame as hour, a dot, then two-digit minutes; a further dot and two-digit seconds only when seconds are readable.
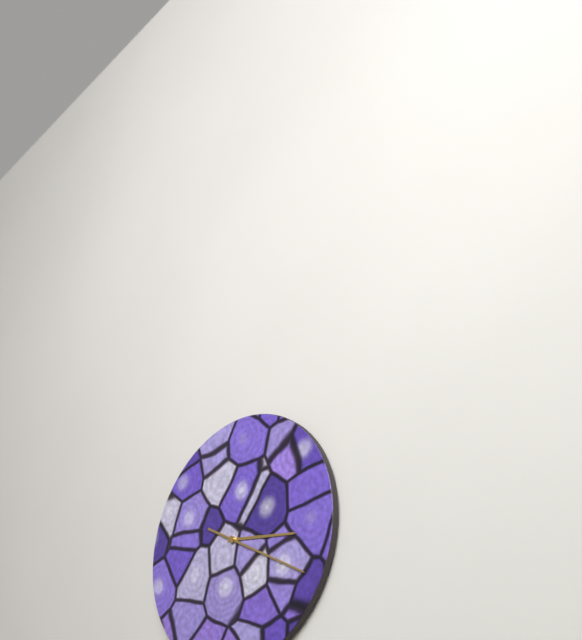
3.20
